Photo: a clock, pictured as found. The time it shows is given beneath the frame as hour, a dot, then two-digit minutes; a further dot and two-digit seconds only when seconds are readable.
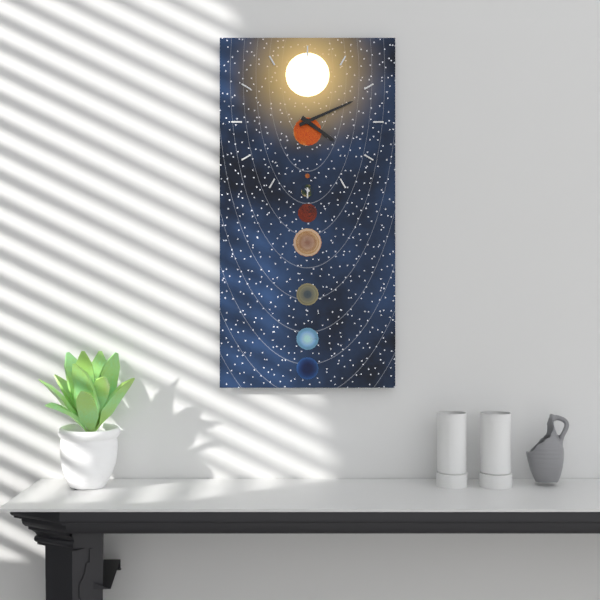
4.11
